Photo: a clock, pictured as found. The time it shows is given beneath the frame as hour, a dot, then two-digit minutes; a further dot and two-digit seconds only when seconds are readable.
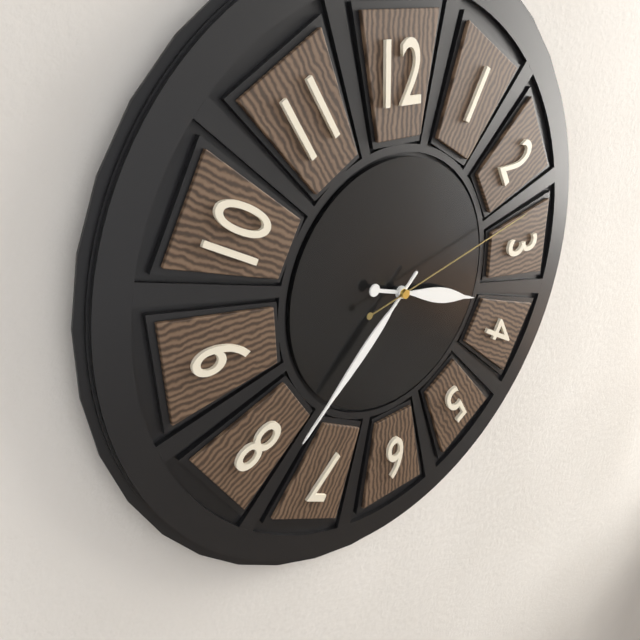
3.38.13
